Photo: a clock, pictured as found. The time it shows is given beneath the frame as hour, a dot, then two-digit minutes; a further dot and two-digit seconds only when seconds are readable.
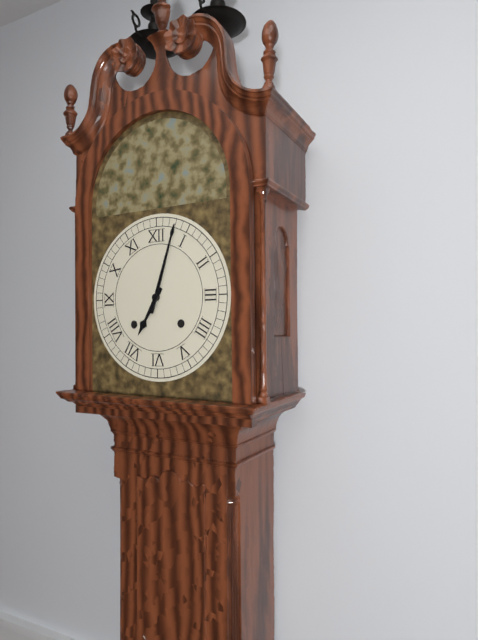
7.03
